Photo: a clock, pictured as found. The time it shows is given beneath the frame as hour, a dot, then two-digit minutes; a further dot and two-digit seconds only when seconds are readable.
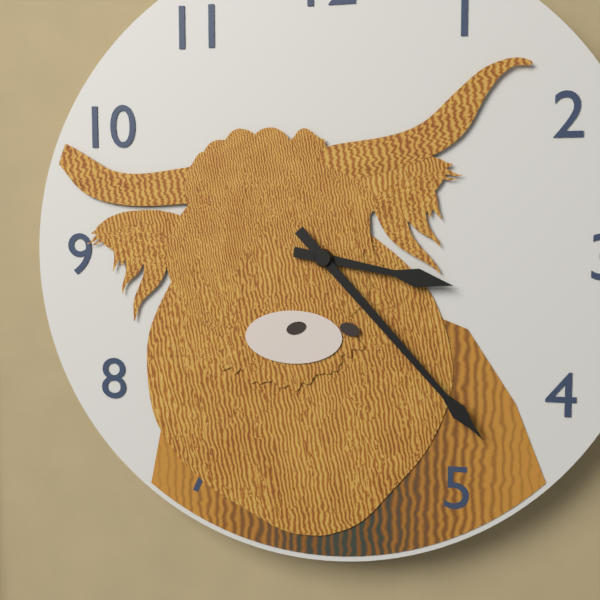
3.23
